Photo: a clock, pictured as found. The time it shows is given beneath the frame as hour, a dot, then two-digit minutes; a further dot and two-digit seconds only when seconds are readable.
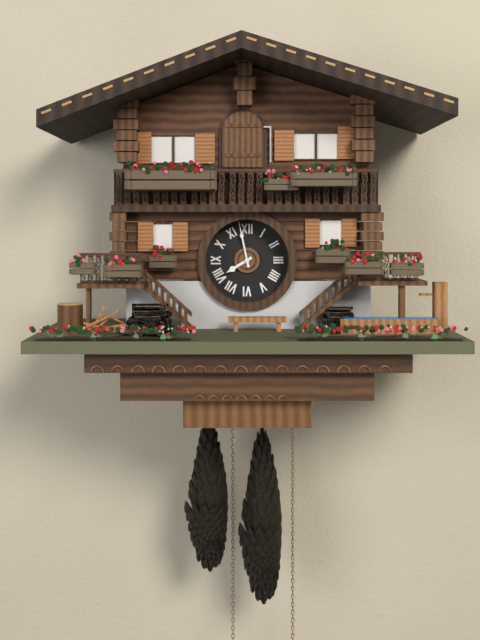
7.58
